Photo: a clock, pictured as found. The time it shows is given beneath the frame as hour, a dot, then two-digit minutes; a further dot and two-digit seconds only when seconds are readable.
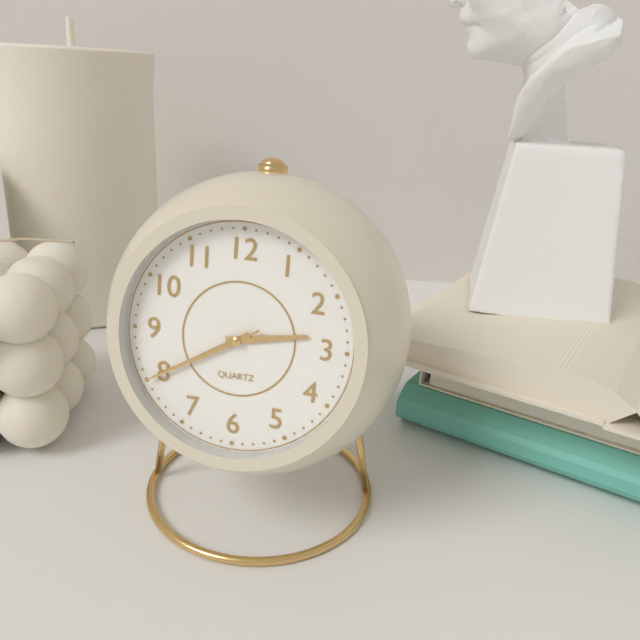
2.40.40
